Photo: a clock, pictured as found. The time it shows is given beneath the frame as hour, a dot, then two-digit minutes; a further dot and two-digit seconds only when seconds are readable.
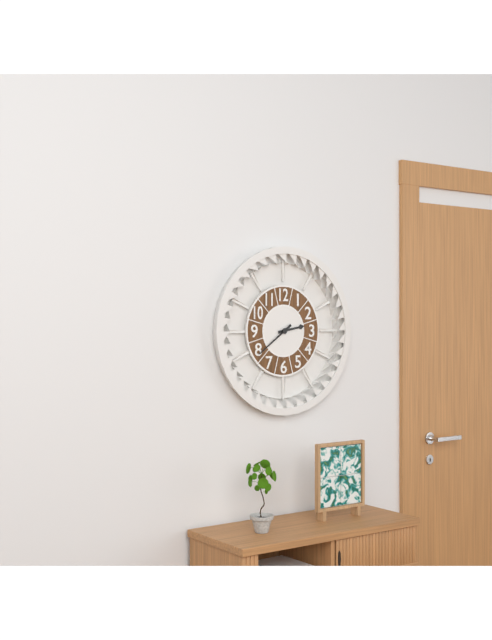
2.39
